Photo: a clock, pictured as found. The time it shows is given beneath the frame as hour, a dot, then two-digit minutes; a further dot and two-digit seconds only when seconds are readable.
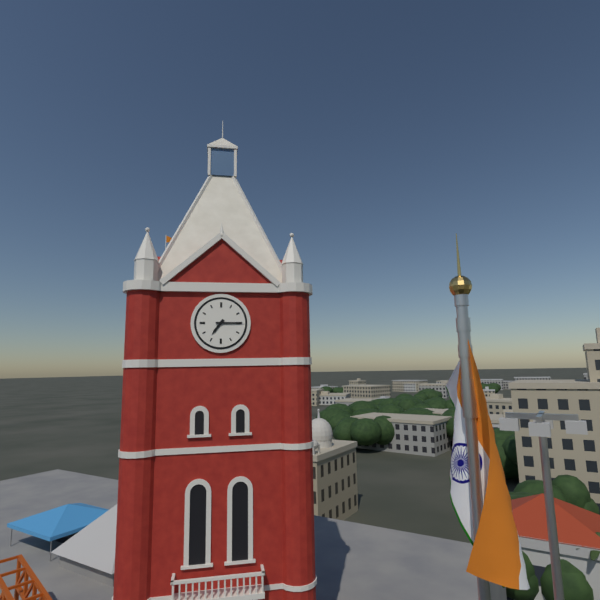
7.15
